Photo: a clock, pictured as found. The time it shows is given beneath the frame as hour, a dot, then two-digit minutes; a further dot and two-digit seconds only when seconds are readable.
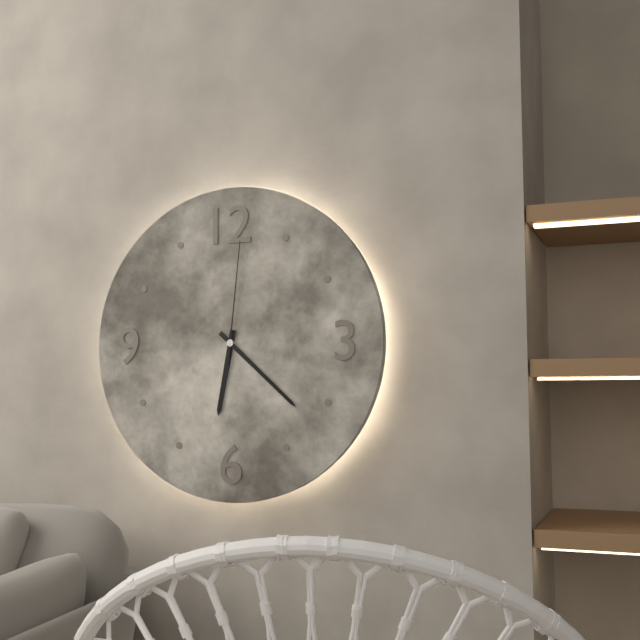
6.22.01
